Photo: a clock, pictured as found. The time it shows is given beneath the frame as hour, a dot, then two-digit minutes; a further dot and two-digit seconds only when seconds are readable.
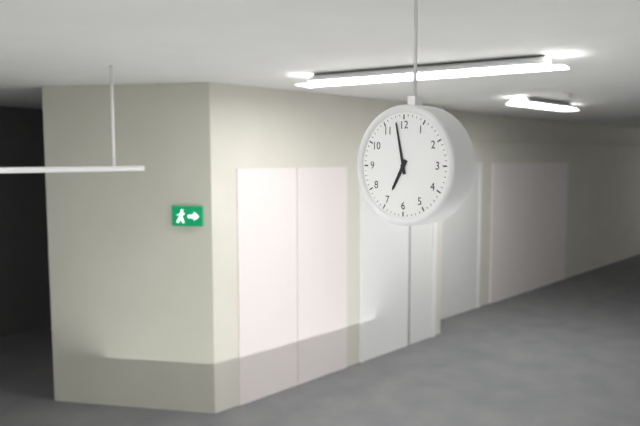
6.58
